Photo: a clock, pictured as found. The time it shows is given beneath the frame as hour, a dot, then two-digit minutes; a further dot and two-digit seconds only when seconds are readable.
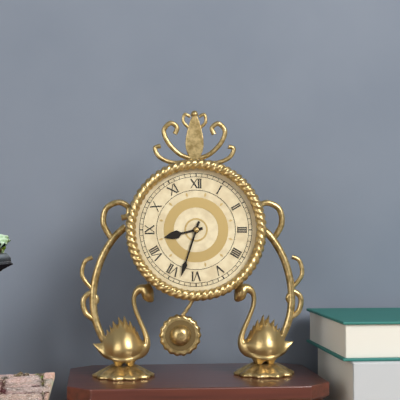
8.33
